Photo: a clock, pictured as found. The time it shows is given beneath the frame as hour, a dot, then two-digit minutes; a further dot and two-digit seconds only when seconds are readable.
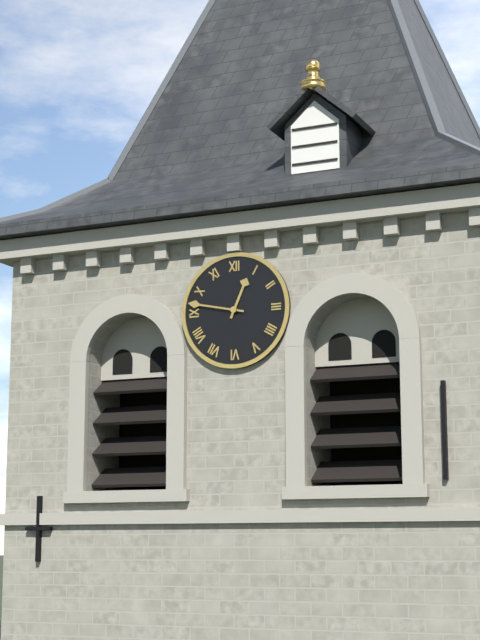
12.47
